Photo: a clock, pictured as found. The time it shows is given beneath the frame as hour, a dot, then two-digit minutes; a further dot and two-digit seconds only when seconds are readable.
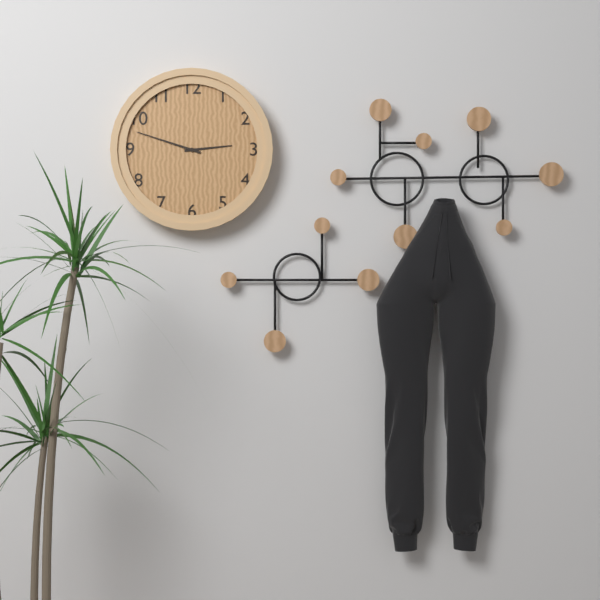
2.48
